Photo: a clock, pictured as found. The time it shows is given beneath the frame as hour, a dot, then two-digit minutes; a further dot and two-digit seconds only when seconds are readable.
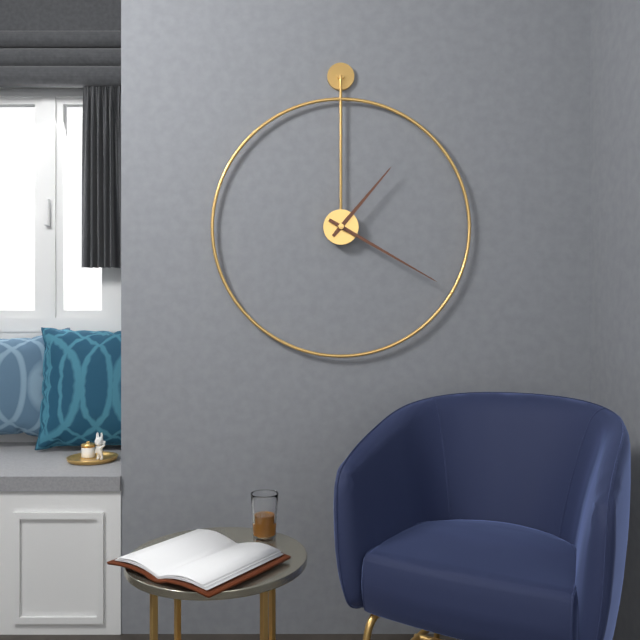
1.20
